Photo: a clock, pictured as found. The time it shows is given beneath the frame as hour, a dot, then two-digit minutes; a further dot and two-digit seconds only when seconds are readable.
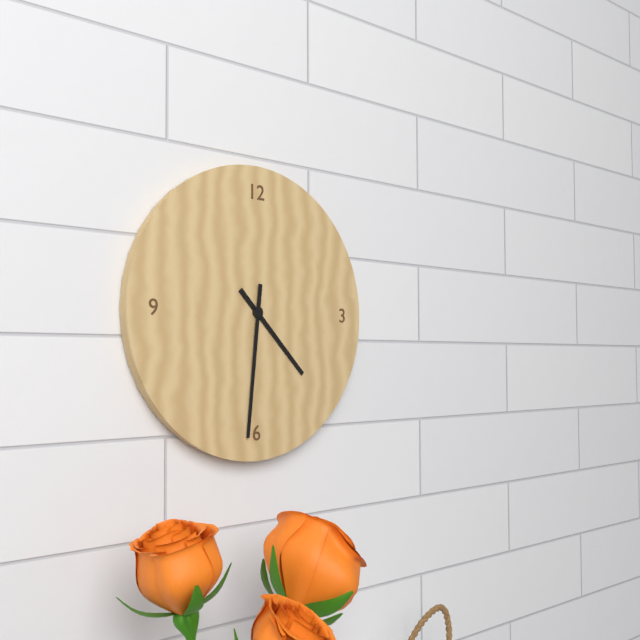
4.31
